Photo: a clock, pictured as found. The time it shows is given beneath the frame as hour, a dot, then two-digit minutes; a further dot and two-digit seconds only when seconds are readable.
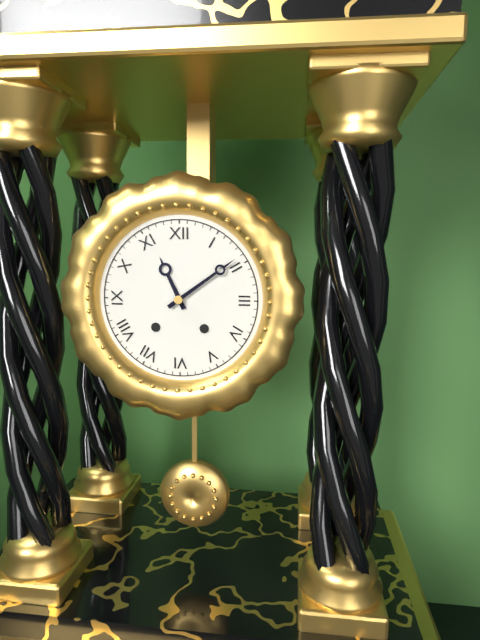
11.09
